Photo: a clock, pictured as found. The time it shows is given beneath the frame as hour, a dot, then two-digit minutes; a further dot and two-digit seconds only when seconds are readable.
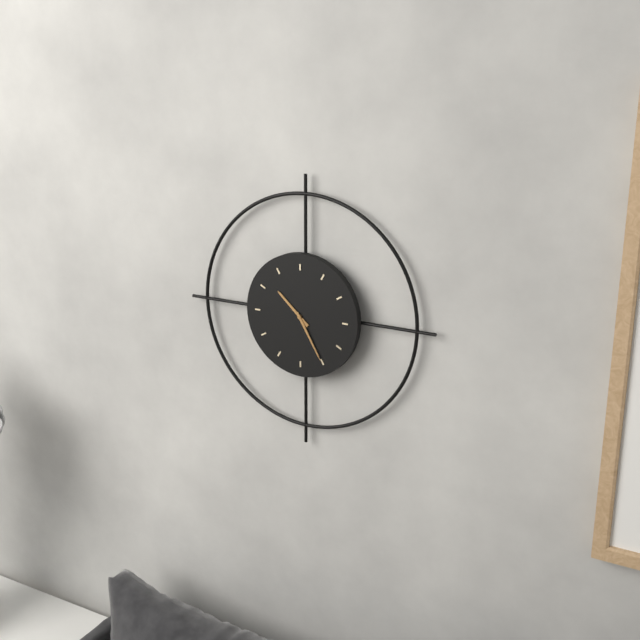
10.25
